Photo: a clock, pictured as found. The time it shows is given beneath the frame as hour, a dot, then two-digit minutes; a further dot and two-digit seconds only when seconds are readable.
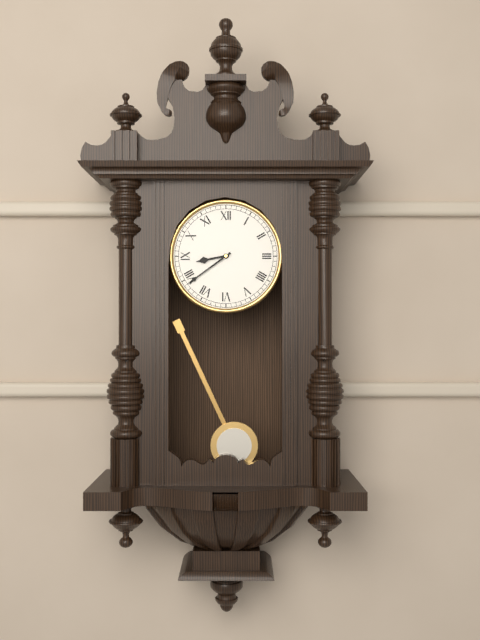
8.39
